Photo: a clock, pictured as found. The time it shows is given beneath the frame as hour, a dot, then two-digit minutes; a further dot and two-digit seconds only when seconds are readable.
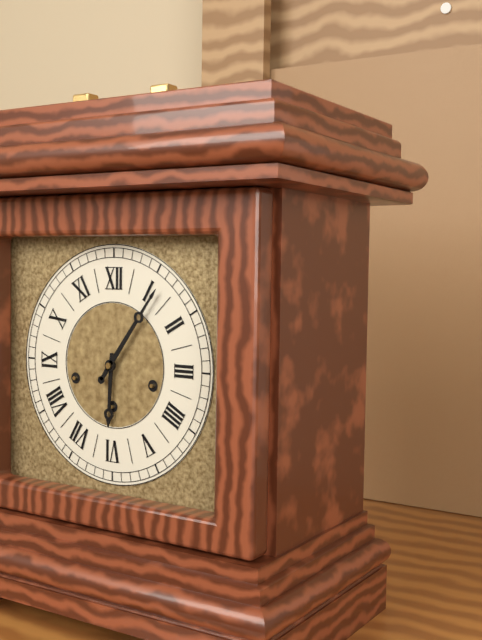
6.06
